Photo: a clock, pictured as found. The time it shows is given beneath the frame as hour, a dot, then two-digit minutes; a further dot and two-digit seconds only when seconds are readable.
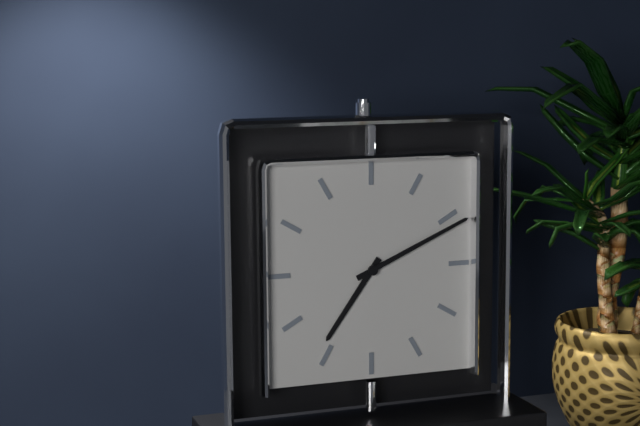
7.11
